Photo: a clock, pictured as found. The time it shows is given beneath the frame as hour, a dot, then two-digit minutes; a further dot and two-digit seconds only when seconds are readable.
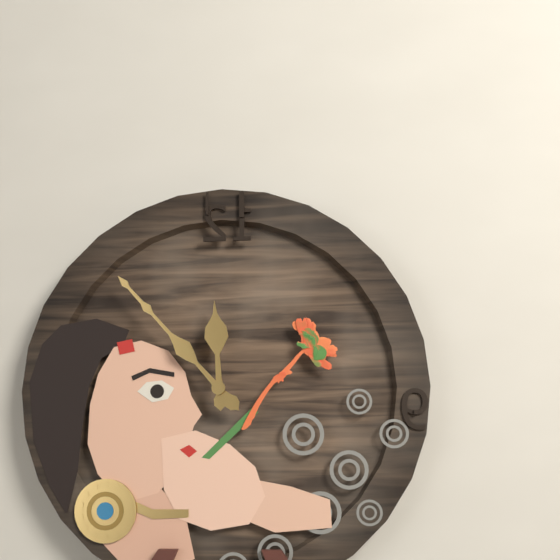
11.53
